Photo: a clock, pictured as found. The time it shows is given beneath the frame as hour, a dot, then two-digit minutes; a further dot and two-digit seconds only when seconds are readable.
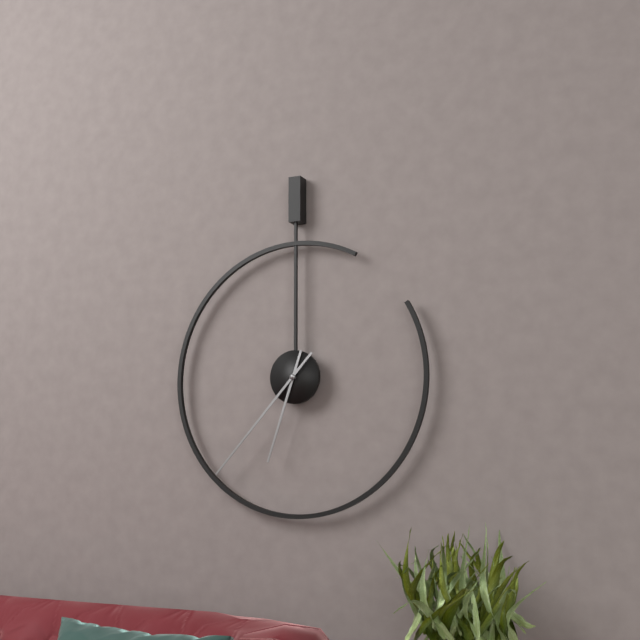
6.37
